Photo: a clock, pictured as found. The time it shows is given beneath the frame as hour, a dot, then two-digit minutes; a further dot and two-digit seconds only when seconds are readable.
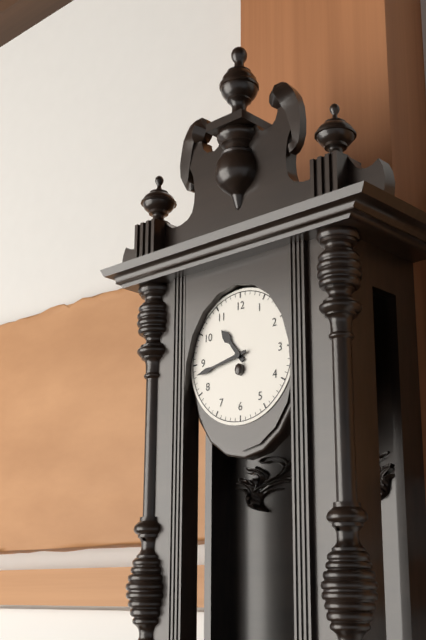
10.43
